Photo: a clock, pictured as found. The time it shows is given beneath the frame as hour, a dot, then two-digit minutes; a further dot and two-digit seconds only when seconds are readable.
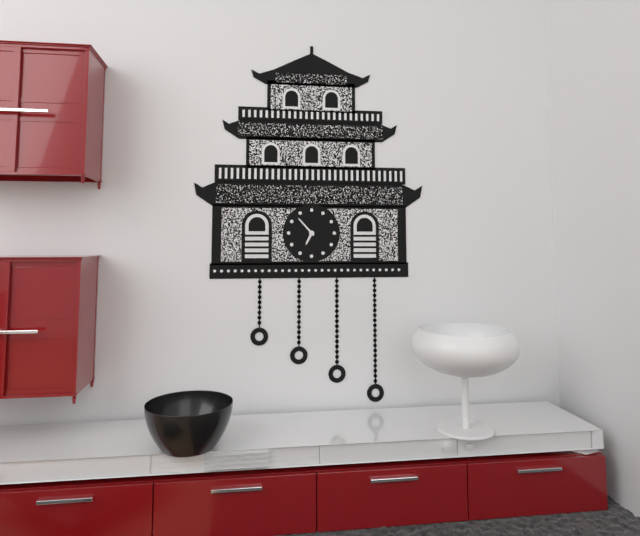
6.53
